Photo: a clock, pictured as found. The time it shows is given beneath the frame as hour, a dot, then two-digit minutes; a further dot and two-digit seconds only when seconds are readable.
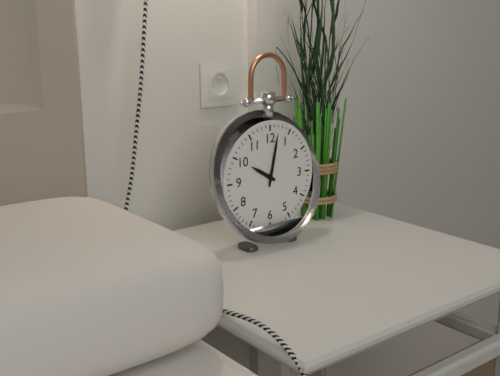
10.02
